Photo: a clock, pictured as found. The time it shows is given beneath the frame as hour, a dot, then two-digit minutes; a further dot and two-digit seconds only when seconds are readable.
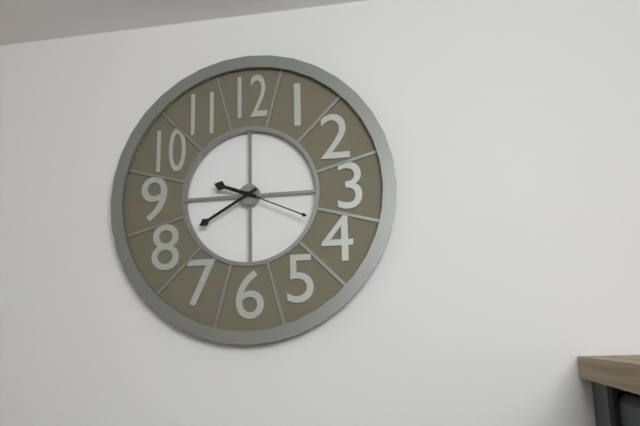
9.40.19
